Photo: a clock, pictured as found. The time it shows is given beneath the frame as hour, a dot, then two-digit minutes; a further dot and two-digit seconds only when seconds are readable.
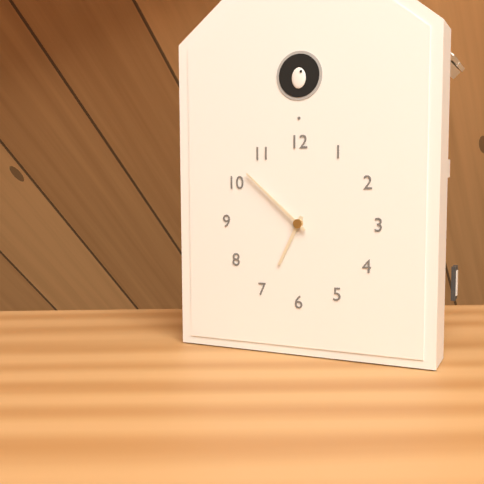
6.52
